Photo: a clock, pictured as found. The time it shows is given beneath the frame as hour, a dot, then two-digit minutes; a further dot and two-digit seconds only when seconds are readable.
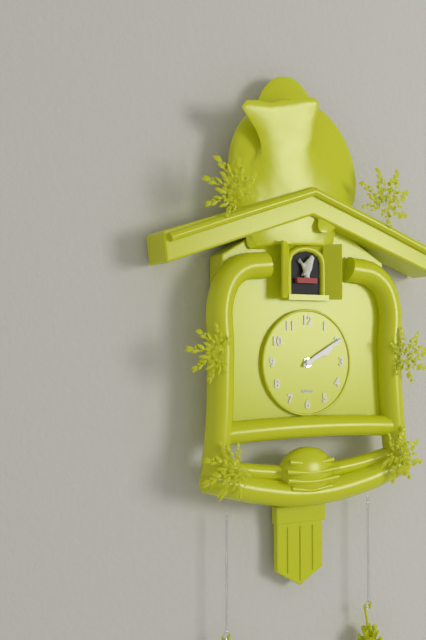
2.10
